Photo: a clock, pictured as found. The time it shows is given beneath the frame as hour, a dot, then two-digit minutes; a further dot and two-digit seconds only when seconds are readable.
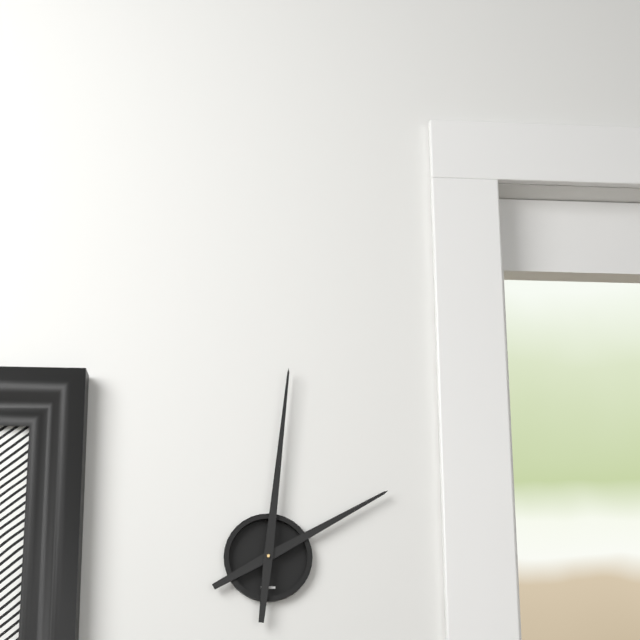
2.01
